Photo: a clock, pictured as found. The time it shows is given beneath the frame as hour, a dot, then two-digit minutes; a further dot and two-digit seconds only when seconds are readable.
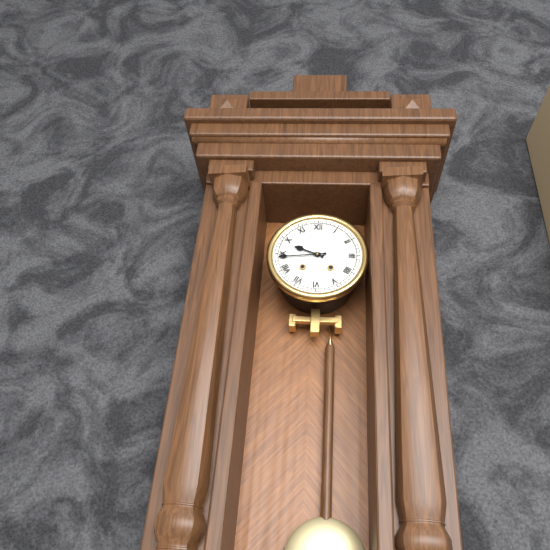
9.44
